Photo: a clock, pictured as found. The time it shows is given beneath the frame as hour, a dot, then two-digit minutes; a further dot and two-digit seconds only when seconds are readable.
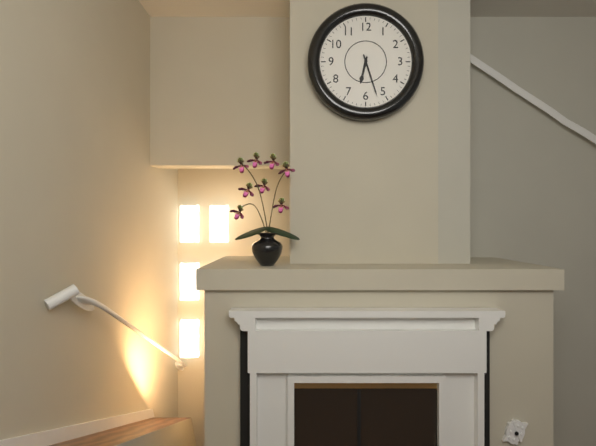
6.27
